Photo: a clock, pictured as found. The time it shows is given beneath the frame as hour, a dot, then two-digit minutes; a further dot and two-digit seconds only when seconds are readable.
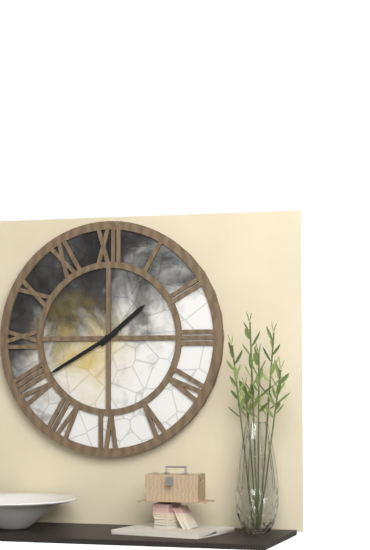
1.40
